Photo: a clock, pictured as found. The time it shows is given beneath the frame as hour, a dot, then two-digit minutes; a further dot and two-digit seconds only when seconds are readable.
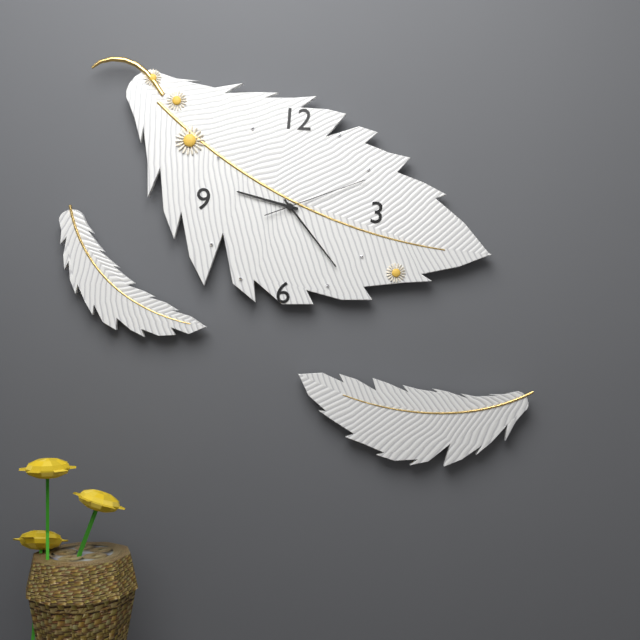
9.23.11
